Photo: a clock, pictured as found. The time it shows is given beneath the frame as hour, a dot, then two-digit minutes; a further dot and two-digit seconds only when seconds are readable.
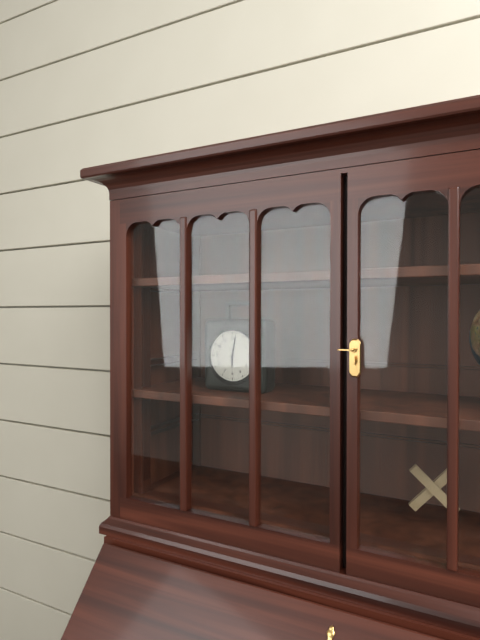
6.02
